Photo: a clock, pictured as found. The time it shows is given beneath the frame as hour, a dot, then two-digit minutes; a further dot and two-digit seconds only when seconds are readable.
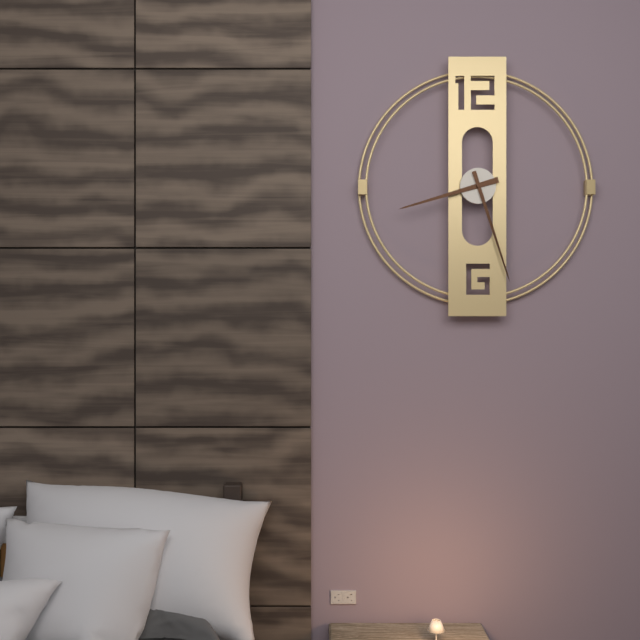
8.27
